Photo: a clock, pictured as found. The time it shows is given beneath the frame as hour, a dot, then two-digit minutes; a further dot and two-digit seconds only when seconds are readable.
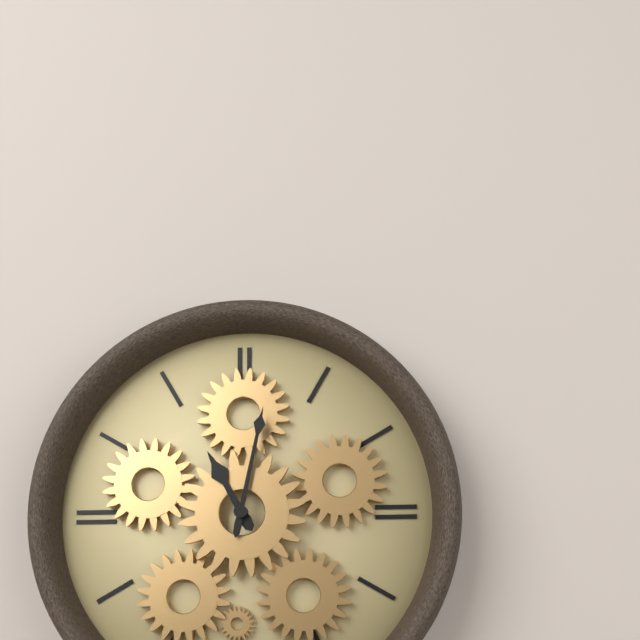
11.02
